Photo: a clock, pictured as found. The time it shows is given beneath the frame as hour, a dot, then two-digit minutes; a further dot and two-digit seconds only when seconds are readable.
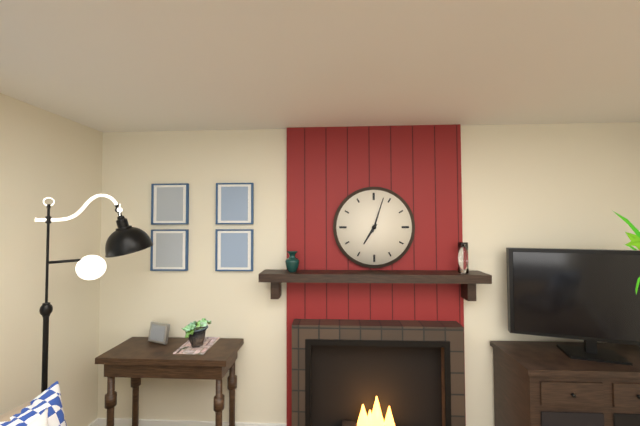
7.03
